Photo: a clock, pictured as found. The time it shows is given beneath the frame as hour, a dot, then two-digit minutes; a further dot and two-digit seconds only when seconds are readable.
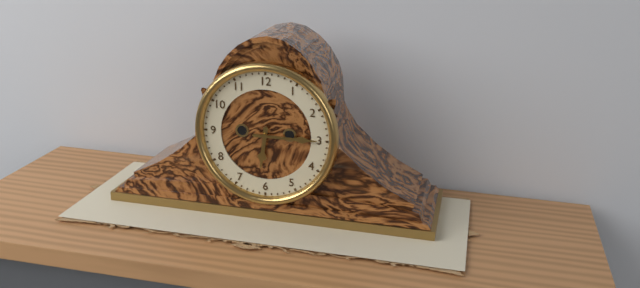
6.15
